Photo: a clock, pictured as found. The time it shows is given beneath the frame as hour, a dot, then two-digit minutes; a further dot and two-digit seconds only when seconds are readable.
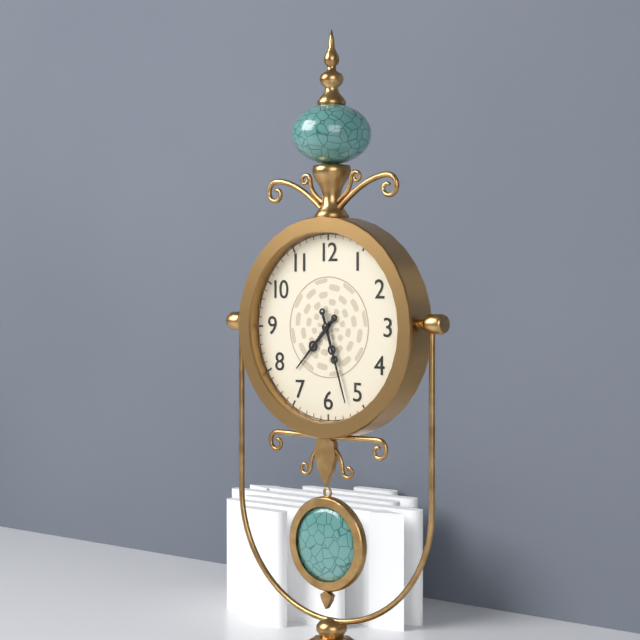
7.27
